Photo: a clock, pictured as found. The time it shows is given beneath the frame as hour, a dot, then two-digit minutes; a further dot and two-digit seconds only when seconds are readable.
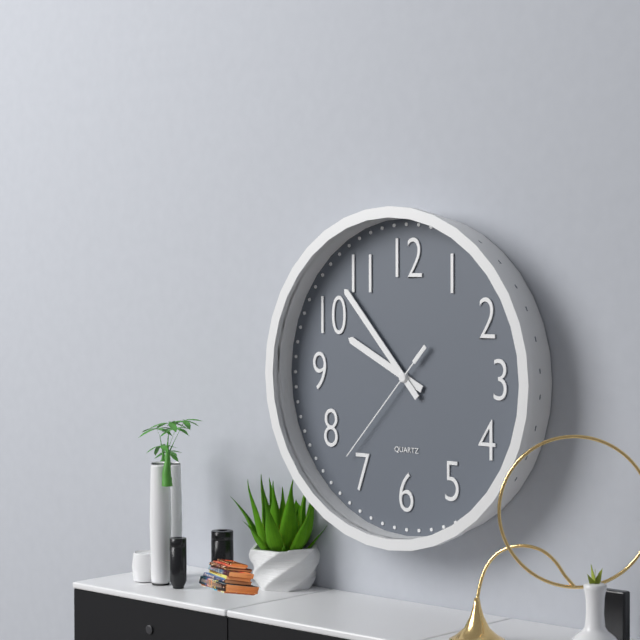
9.53.37
